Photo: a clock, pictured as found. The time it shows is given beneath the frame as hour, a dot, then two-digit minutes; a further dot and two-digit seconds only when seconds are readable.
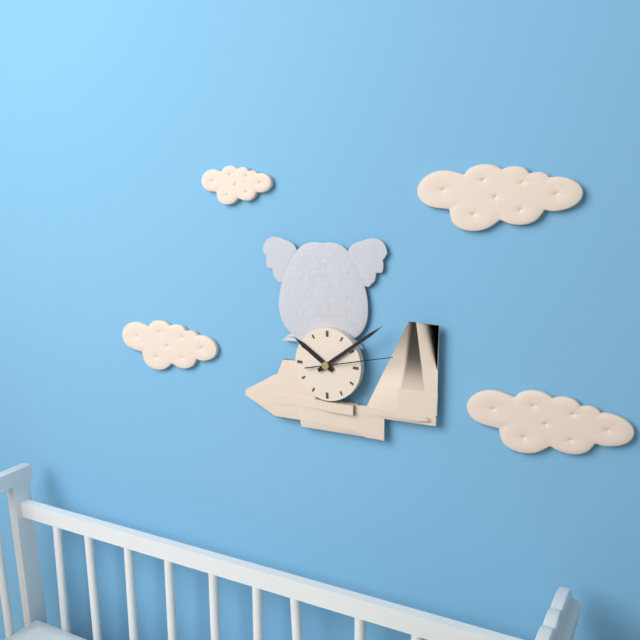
10.09.13
